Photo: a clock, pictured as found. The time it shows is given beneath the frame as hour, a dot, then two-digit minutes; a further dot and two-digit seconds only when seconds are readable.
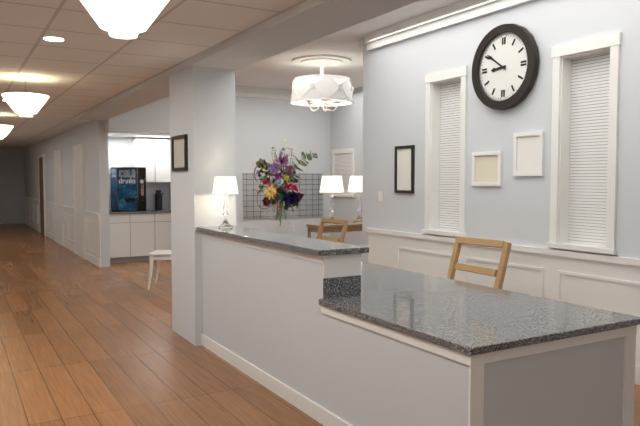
8.51
